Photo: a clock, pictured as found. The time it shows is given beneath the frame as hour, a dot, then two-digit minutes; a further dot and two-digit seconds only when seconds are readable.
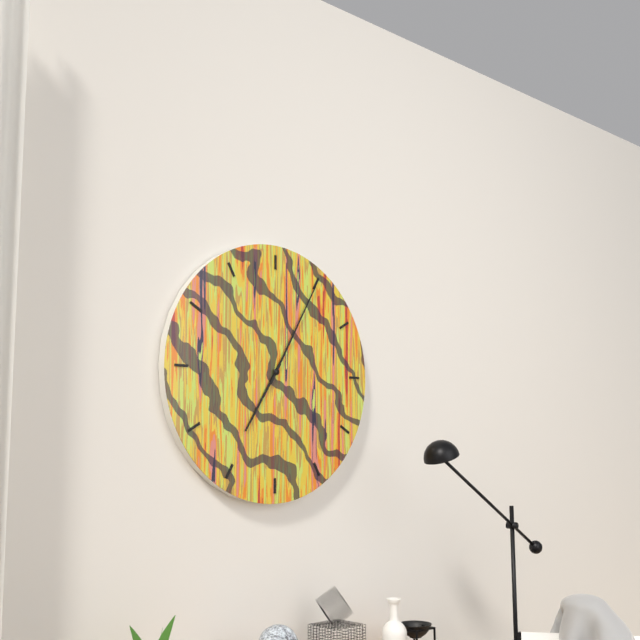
7.05
